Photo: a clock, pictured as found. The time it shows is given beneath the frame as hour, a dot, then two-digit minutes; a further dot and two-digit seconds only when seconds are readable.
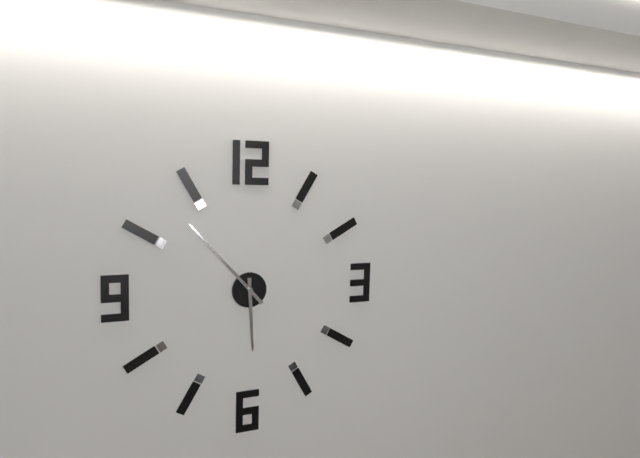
5.53
